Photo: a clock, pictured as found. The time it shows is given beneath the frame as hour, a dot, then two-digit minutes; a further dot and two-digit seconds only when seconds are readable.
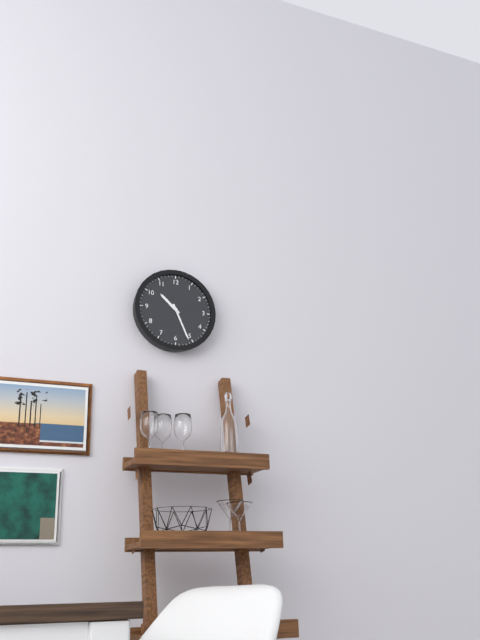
10.26
